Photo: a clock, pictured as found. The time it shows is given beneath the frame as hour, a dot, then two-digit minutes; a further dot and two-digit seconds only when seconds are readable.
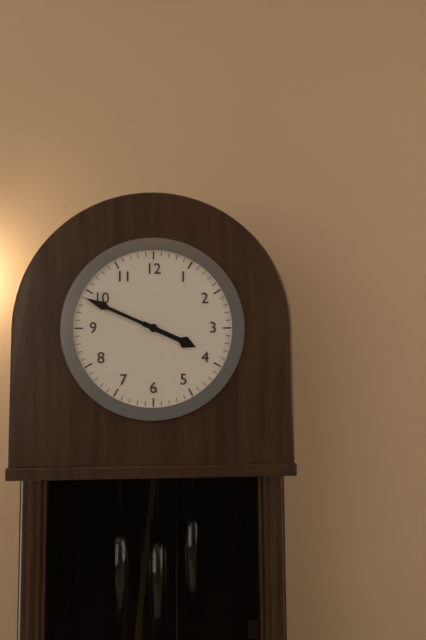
3.49
